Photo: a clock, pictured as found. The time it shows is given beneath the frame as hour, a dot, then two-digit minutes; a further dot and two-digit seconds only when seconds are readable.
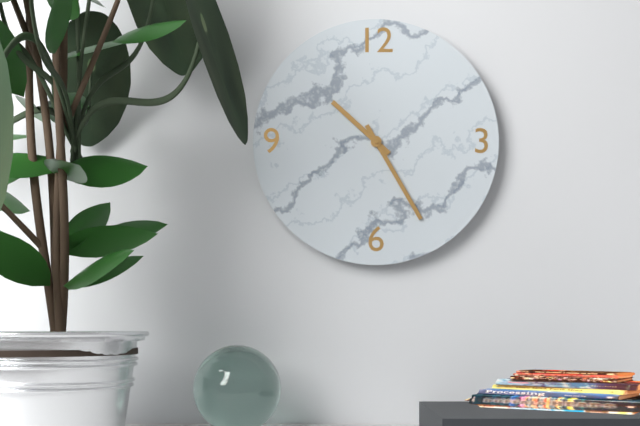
10.25
